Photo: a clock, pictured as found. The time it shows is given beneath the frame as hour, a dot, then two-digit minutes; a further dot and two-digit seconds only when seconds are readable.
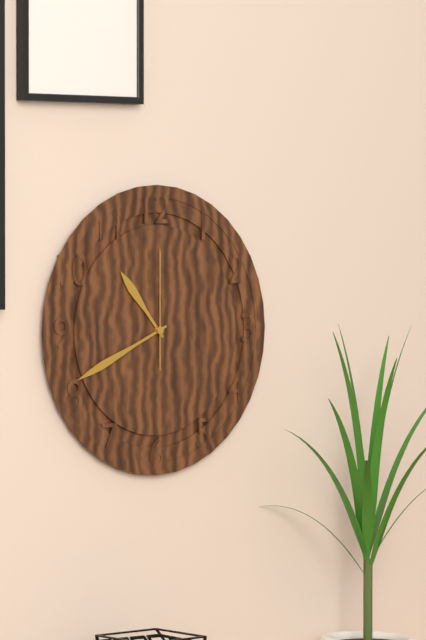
10.41.00
